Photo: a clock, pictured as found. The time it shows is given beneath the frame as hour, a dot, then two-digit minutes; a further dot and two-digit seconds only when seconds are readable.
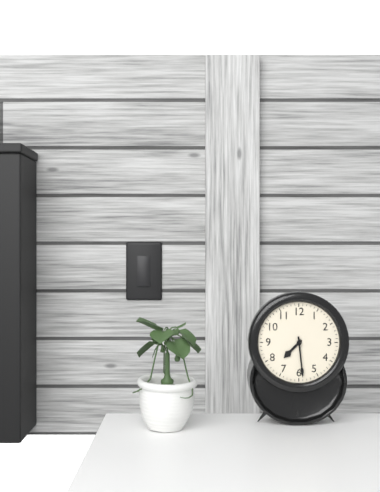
7.29
